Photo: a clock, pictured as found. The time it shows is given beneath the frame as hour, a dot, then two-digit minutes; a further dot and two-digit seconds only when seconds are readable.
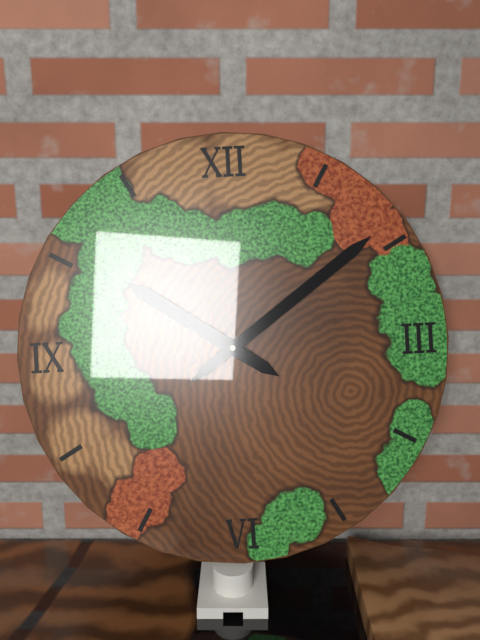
10.09
